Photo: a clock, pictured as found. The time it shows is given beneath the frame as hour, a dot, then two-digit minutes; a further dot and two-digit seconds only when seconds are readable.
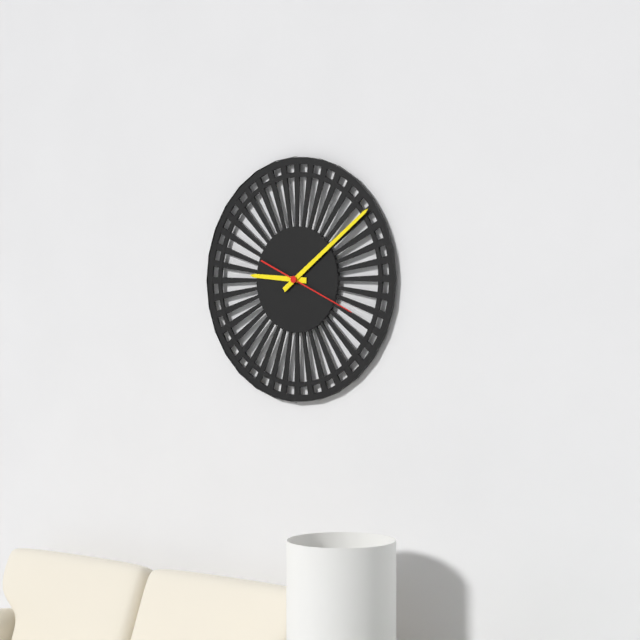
9.09.19
